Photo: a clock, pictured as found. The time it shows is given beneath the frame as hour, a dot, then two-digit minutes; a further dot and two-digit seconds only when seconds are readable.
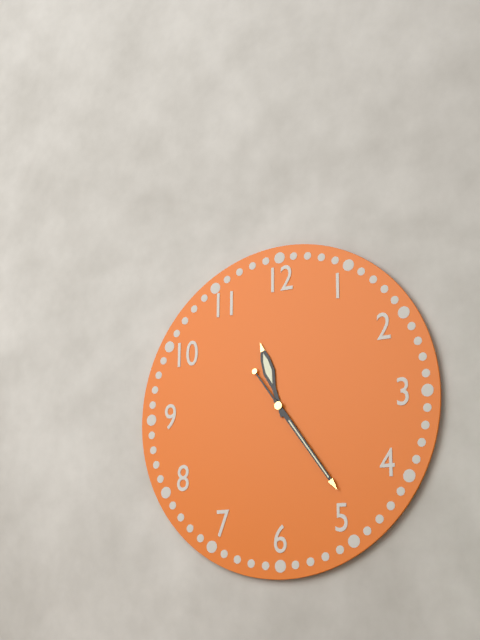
11.24
